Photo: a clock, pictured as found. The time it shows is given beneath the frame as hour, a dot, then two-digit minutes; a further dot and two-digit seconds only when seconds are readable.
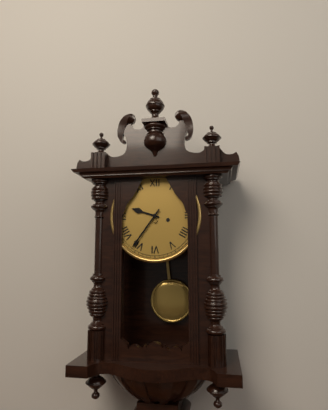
9.36
